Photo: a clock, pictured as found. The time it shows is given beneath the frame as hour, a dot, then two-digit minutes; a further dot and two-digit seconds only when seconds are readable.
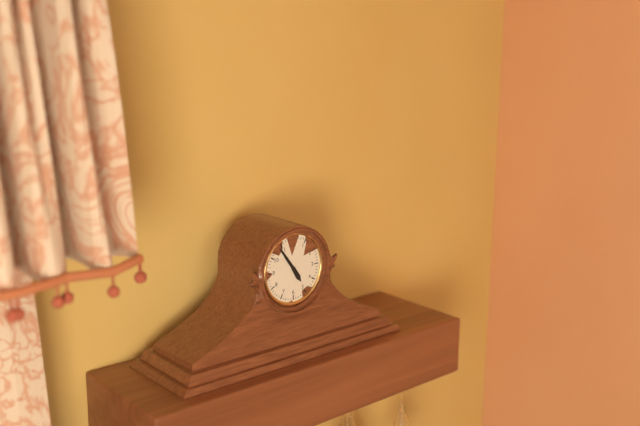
4.54
